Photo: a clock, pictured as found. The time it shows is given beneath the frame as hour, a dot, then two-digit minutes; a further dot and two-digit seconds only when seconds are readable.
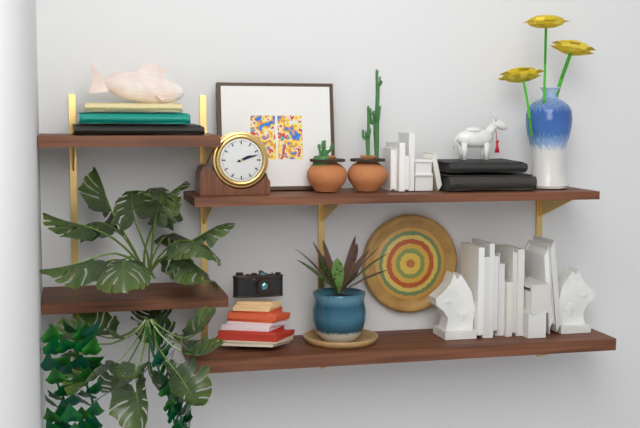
2.12
